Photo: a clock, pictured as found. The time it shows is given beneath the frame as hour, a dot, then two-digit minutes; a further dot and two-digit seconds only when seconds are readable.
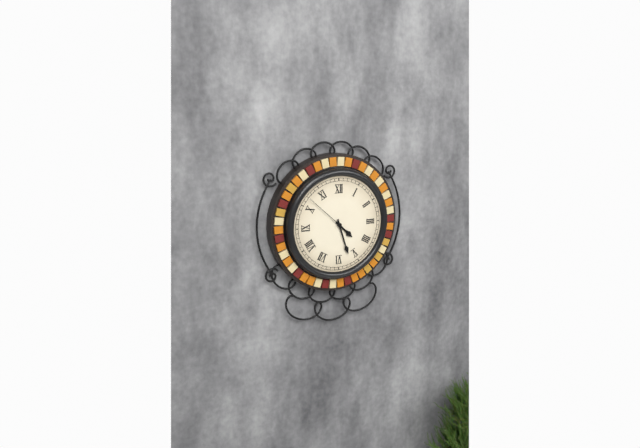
4.27
